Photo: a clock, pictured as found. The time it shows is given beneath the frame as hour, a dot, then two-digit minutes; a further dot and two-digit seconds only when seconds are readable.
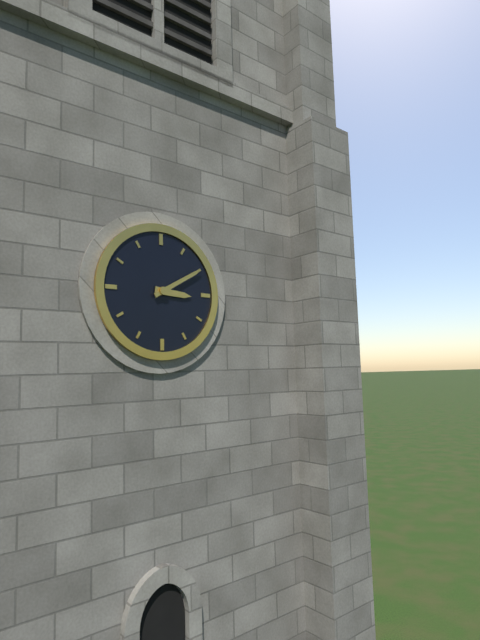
3.10
